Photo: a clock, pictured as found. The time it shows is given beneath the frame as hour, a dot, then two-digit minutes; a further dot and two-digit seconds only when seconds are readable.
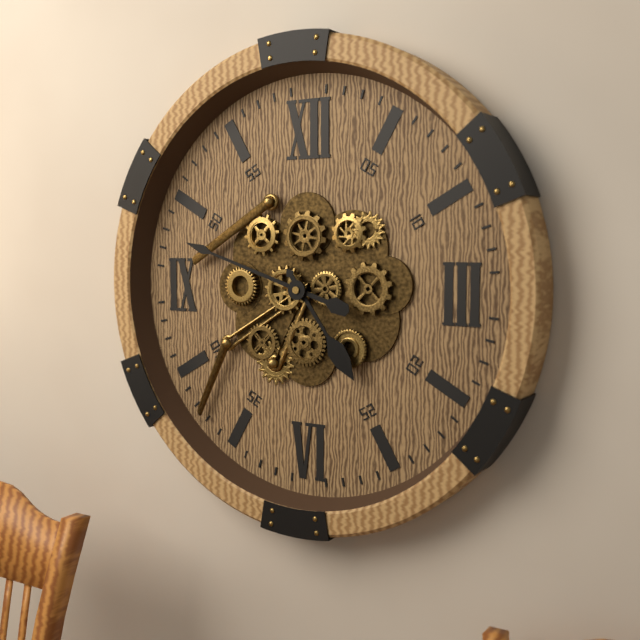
4.48
